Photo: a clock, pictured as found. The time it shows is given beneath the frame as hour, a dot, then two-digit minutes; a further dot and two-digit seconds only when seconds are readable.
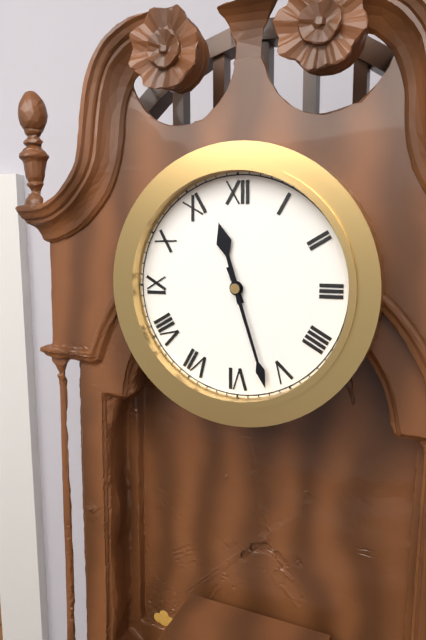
11.27
